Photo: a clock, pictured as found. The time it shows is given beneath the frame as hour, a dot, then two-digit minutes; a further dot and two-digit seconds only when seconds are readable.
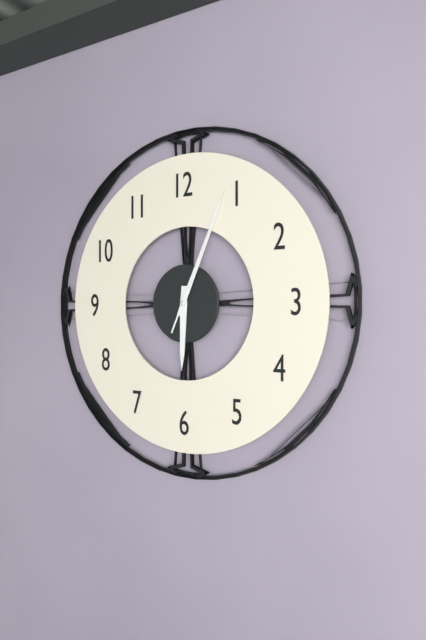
6.04.04
